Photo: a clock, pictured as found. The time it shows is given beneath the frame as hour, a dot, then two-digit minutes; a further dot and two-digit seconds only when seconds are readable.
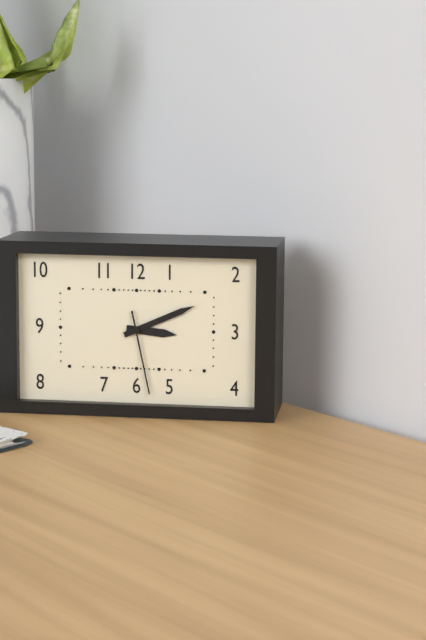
3.11.28
